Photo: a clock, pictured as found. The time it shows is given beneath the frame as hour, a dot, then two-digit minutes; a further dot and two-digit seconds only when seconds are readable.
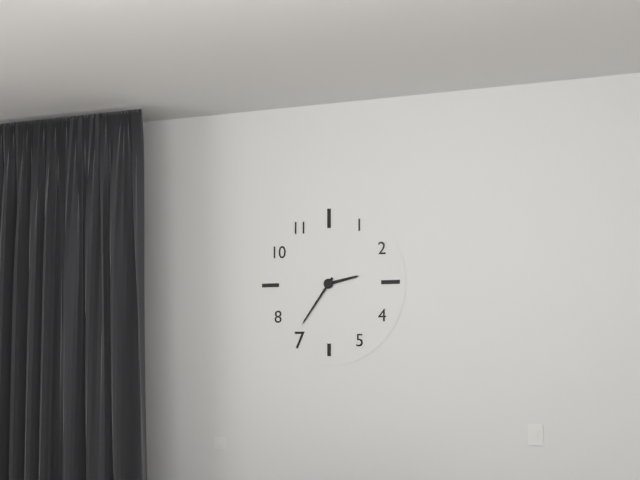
2.36
